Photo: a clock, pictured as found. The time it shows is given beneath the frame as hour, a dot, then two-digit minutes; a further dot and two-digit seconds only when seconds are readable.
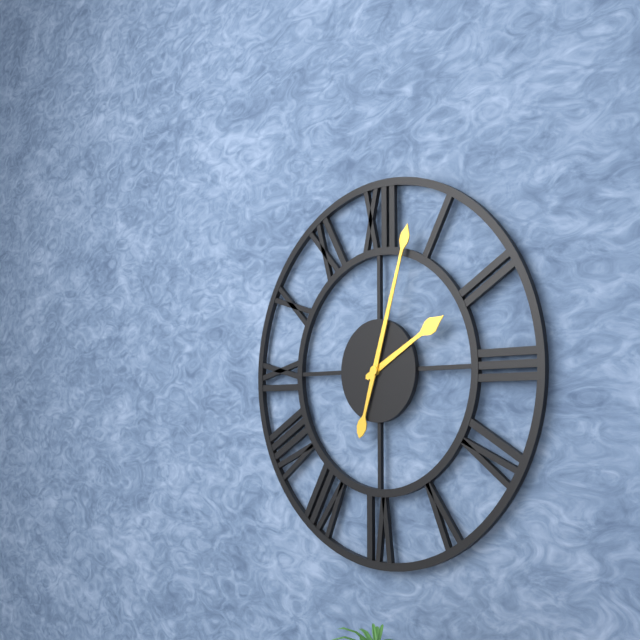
2.03
